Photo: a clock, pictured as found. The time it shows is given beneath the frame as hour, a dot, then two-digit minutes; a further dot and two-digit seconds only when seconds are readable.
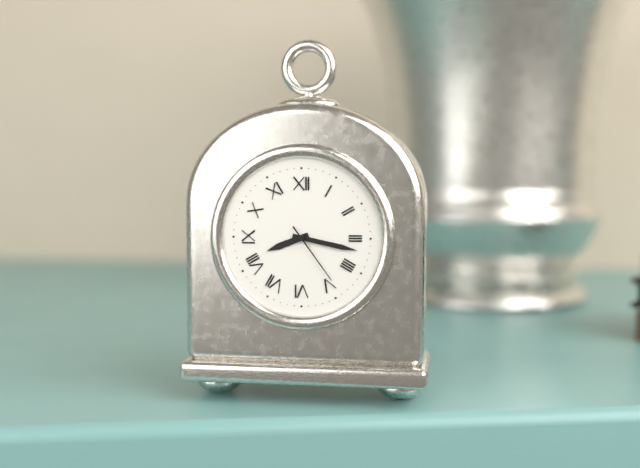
8.17.24
